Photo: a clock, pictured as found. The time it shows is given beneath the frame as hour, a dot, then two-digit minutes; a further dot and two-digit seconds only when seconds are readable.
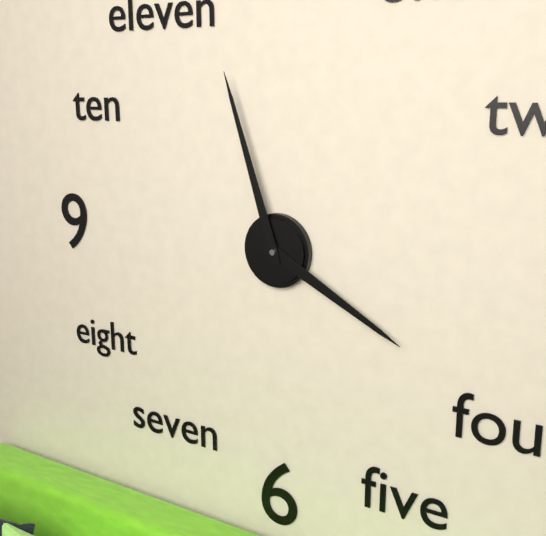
3.57
